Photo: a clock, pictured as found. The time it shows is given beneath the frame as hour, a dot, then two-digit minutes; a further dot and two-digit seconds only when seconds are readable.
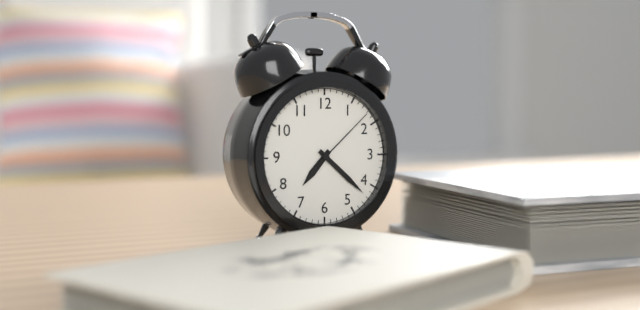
7.22.08
